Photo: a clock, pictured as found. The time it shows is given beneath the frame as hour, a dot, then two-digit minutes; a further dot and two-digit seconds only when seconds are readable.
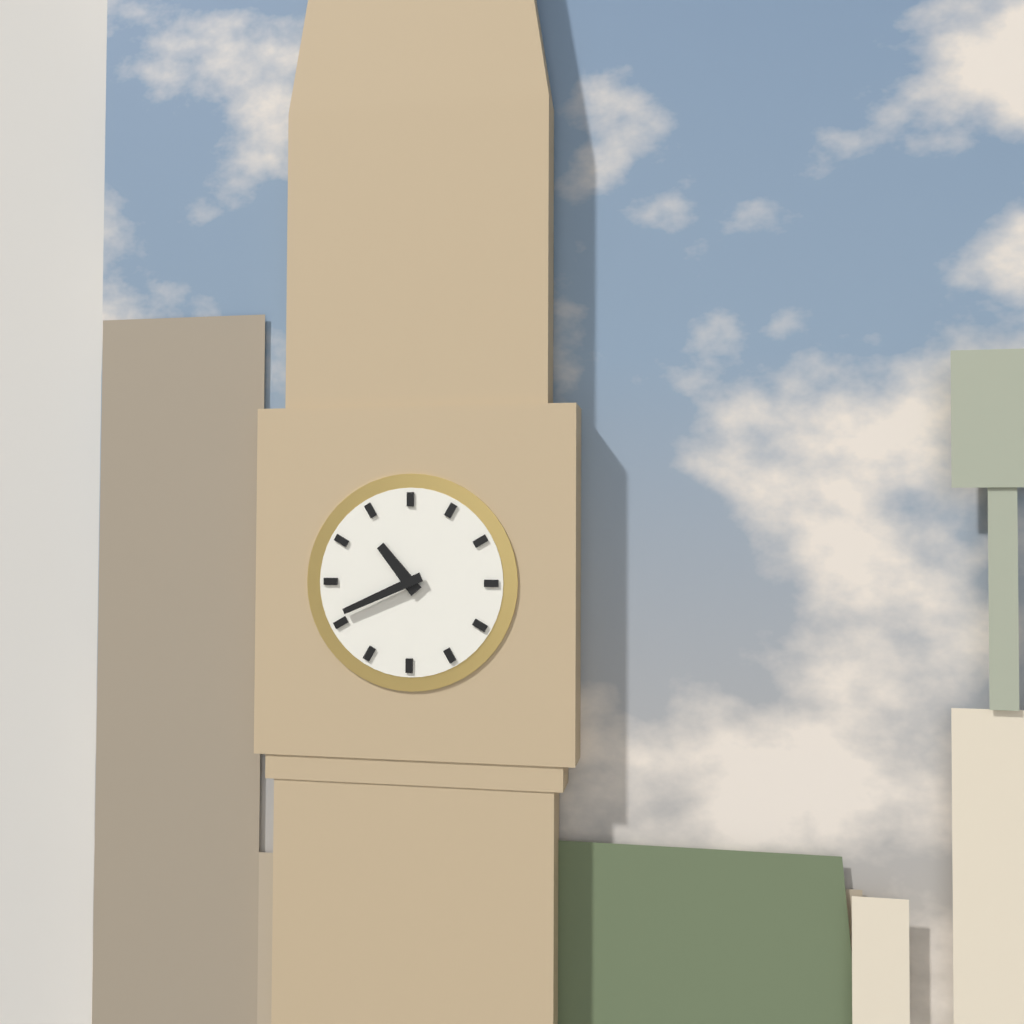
10.41
